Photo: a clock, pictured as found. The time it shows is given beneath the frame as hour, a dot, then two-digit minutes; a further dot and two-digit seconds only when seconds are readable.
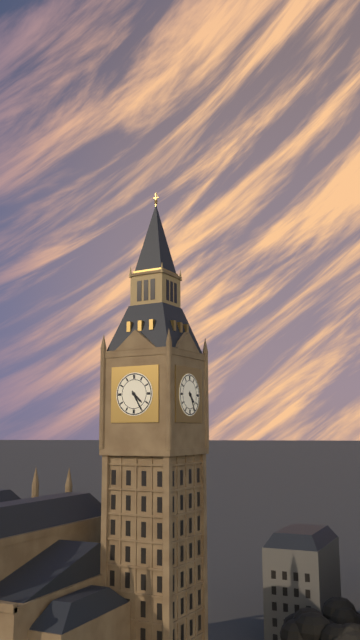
4.25
